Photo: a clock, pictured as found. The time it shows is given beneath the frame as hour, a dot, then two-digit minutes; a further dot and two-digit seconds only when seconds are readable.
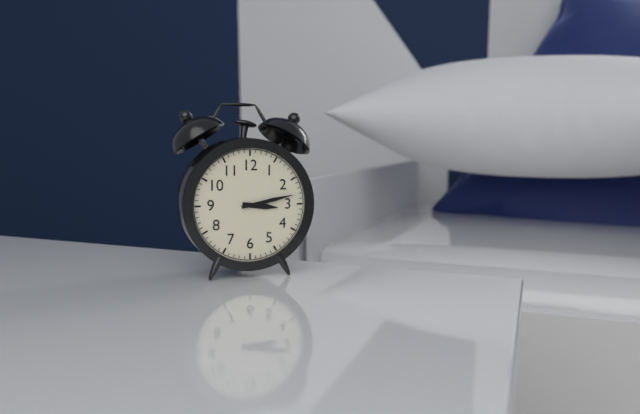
3.13
